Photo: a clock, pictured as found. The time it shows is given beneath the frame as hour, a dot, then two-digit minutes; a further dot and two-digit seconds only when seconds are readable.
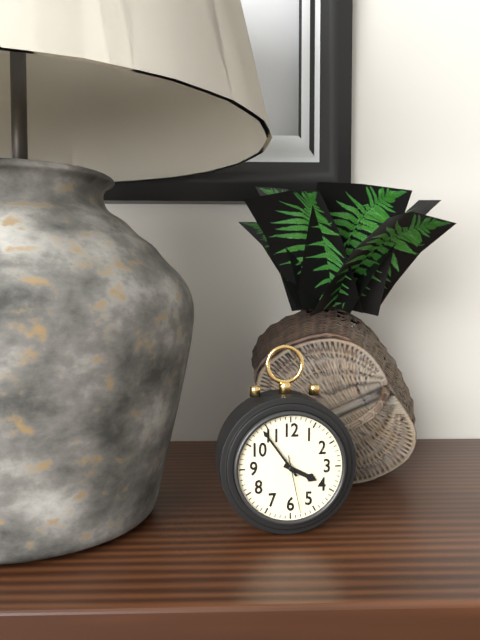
3.54.28
